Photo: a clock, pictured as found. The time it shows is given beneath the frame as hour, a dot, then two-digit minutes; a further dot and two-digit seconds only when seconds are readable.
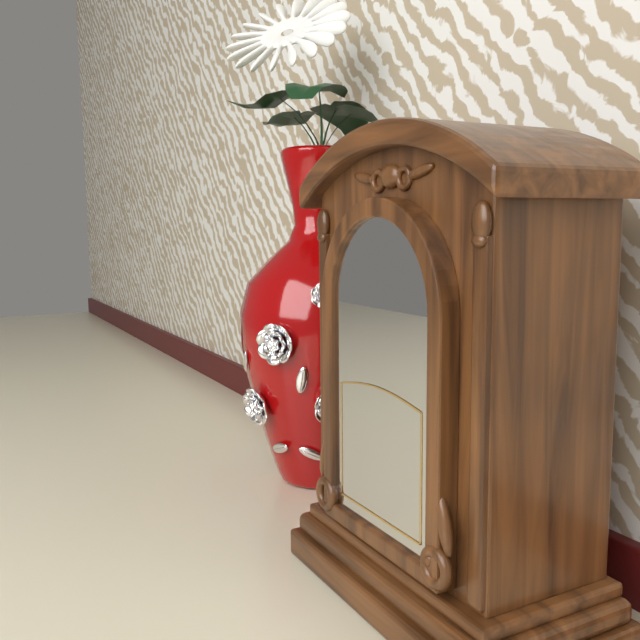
9.39
